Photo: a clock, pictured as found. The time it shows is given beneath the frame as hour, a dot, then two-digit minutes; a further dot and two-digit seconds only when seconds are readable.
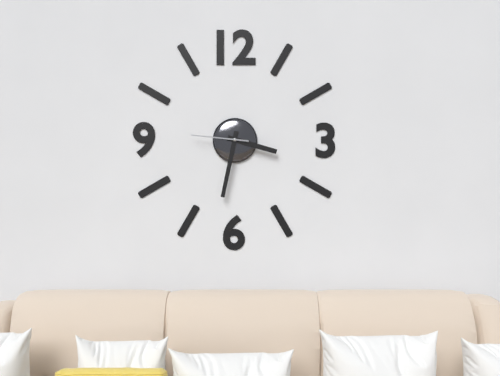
3.32.46
